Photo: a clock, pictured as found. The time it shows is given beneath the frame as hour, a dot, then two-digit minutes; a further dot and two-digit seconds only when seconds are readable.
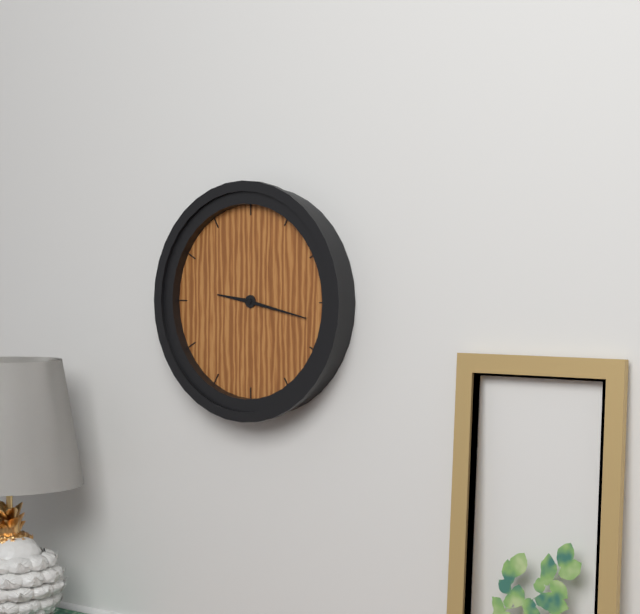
9.17
